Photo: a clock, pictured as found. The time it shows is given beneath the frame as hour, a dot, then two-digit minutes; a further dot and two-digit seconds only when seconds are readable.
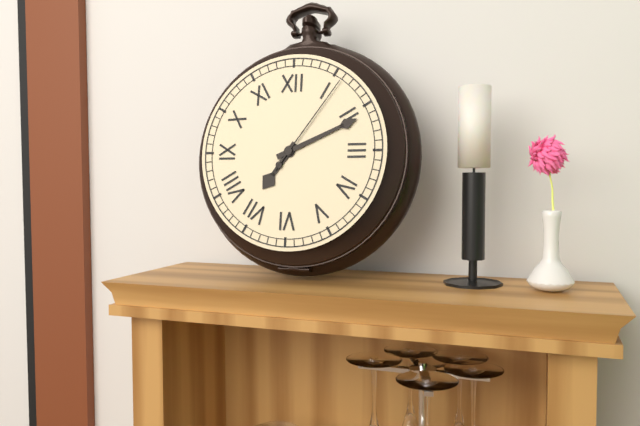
7.11.06
